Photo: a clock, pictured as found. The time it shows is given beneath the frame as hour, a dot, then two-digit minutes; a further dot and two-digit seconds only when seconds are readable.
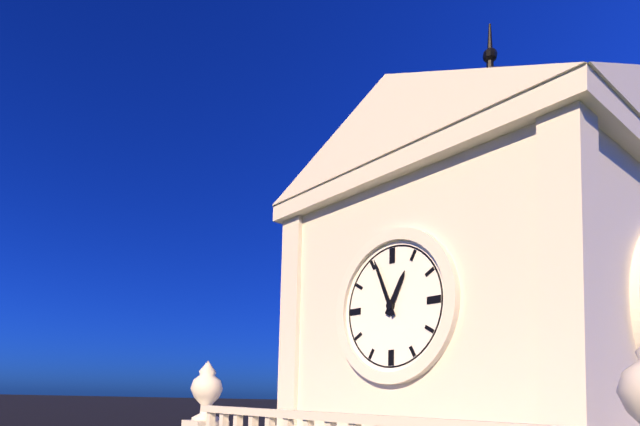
12.56
